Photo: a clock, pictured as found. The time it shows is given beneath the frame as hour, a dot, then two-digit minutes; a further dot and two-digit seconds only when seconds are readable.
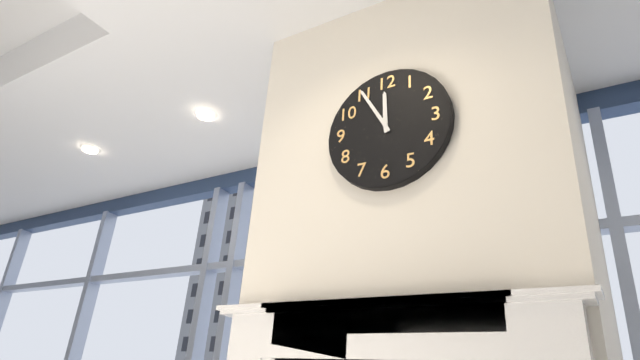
11.55
